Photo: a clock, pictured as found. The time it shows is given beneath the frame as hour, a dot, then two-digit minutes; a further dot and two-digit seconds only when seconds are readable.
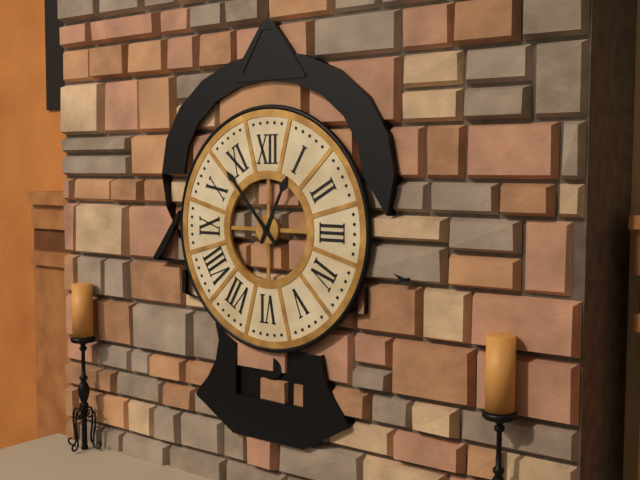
12.53
